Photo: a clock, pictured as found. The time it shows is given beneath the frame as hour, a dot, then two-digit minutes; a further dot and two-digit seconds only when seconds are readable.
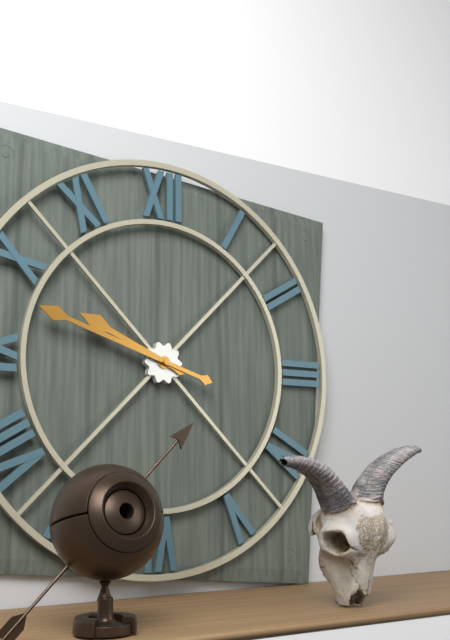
9.48
